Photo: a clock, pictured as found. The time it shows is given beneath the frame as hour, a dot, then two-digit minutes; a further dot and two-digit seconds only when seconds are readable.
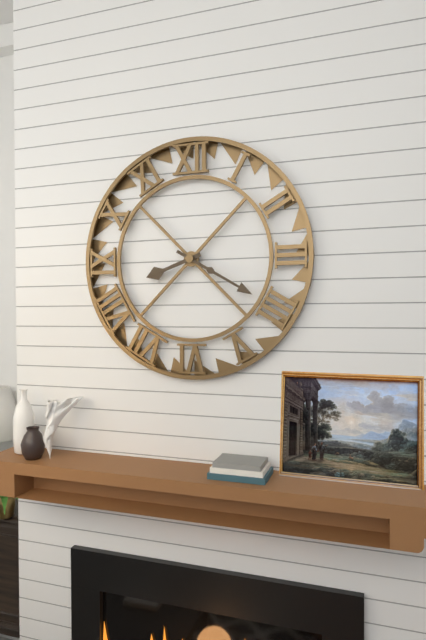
8.20
